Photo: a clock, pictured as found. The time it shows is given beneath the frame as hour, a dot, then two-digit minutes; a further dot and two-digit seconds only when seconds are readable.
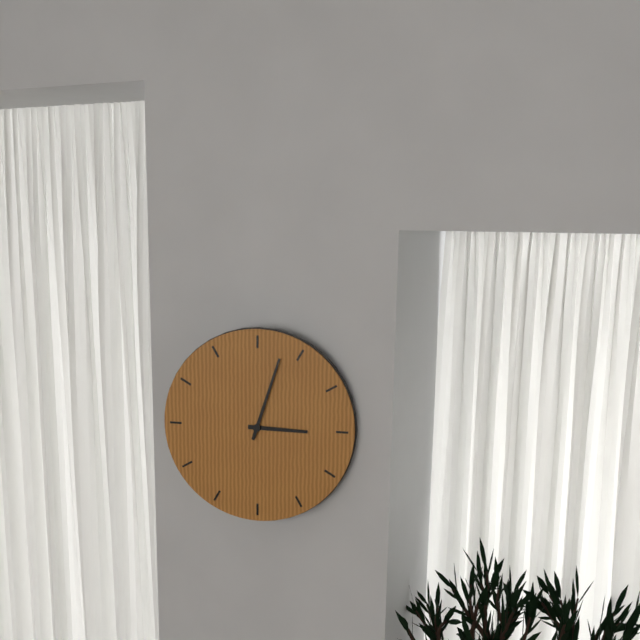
3.03
